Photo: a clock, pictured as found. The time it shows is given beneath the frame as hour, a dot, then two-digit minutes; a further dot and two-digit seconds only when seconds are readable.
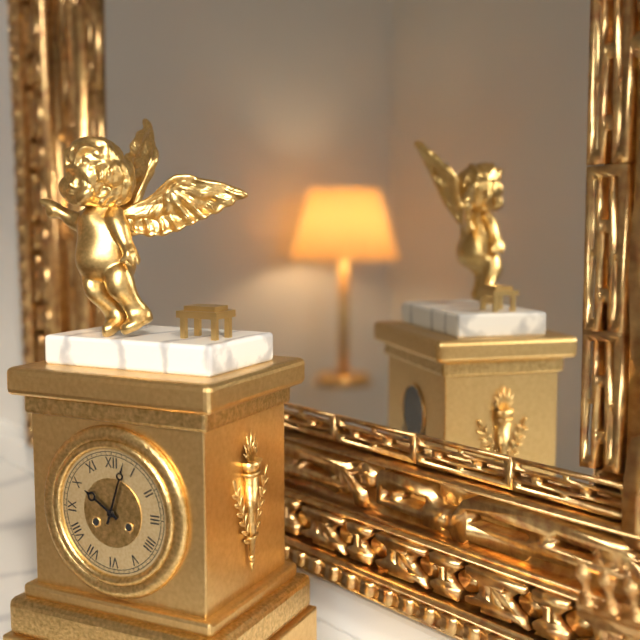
10.03
